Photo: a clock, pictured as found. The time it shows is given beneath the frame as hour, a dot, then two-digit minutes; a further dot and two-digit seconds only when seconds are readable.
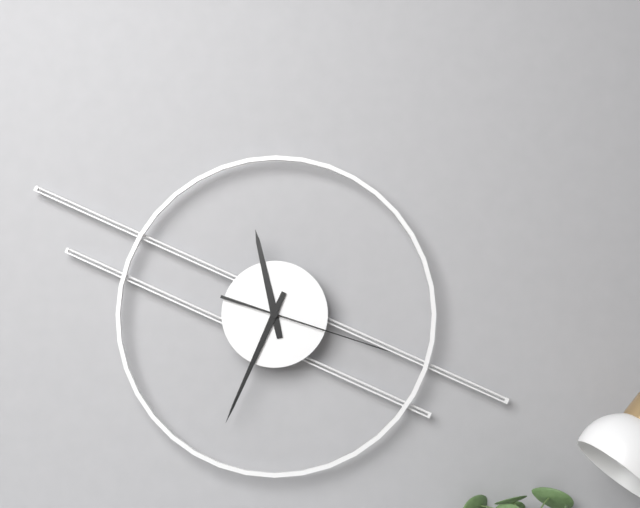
11.34.18
